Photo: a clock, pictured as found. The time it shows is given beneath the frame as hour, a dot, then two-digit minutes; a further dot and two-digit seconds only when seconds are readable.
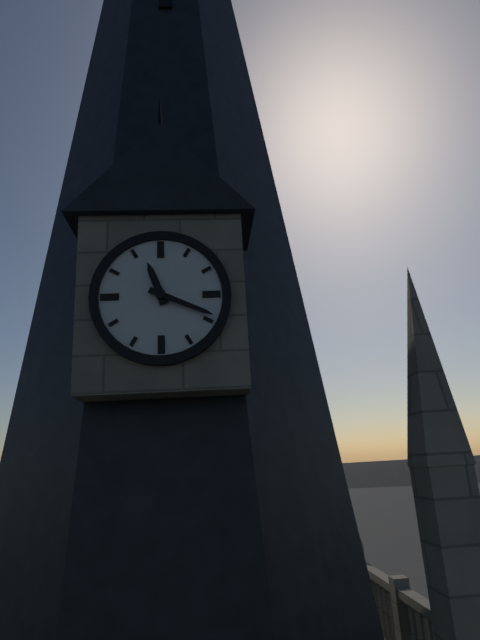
11.19
